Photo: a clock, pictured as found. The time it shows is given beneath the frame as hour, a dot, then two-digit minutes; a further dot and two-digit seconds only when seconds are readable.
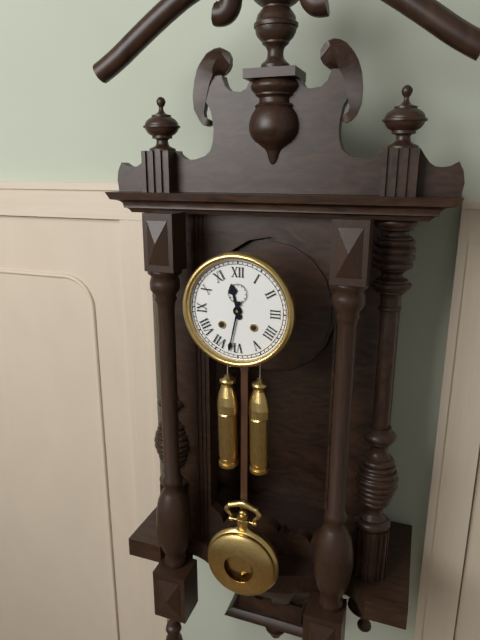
11.32
